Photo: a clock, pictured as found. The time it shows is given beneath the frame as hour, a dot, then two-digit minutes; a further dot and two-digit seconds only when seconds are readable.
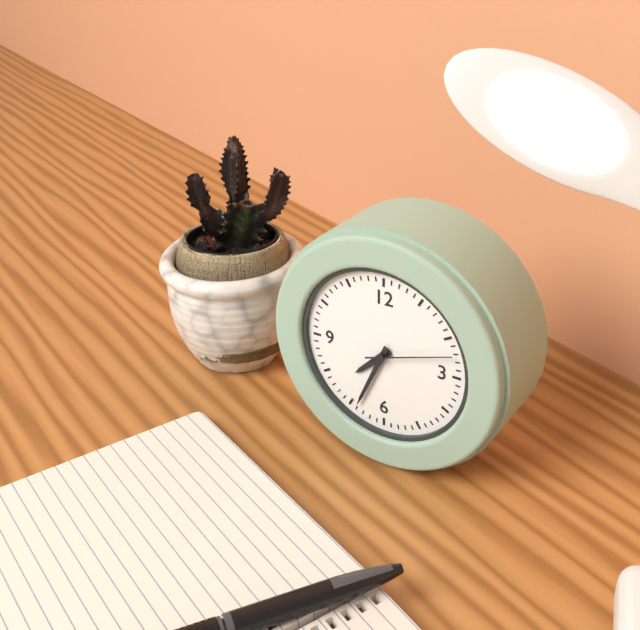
7.34.12
